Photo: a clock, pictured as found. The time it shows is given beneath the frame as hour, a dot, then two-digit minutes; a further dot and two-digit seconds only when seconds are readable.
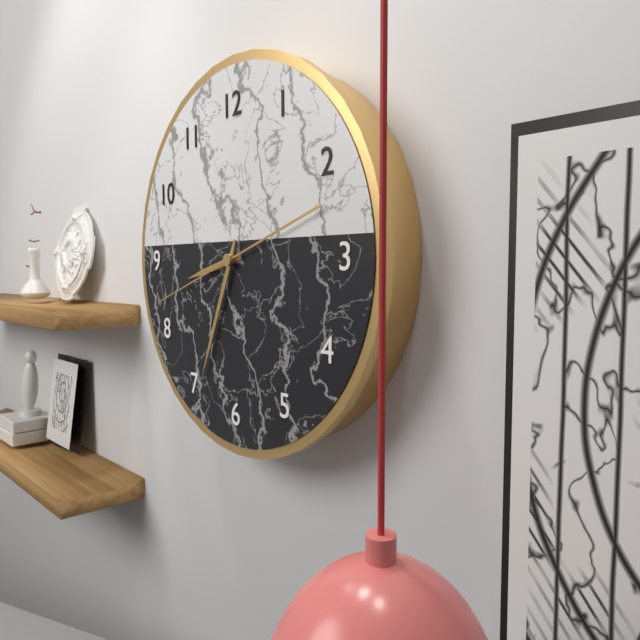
8.34.42
